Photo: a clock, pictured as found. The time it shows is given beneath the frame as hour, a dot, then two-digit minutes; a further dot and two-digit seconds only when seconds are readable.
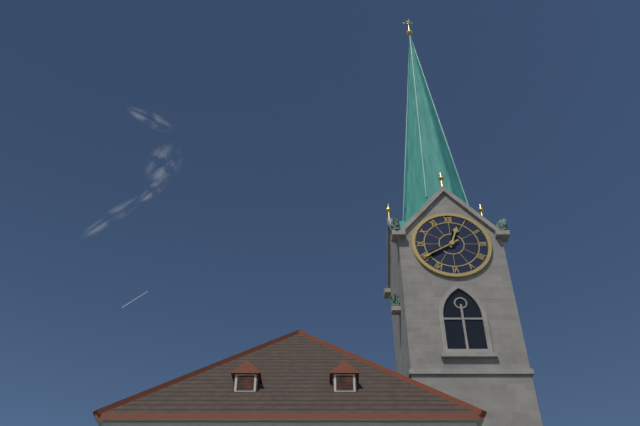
12.40
